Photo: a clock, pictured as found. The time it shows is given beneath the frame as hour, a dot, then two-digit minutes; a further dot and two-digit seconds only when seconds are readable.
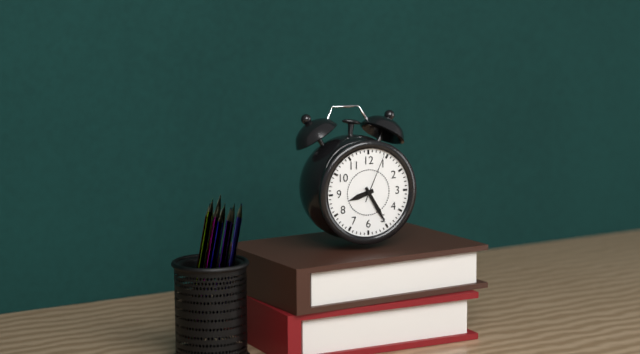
8.25.04
